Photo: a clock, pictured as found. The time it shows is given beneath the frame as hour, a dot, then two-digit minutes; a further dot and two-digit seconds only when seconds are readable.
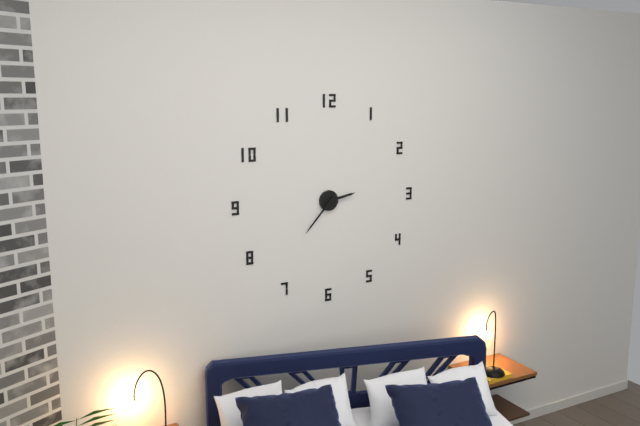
2.37
